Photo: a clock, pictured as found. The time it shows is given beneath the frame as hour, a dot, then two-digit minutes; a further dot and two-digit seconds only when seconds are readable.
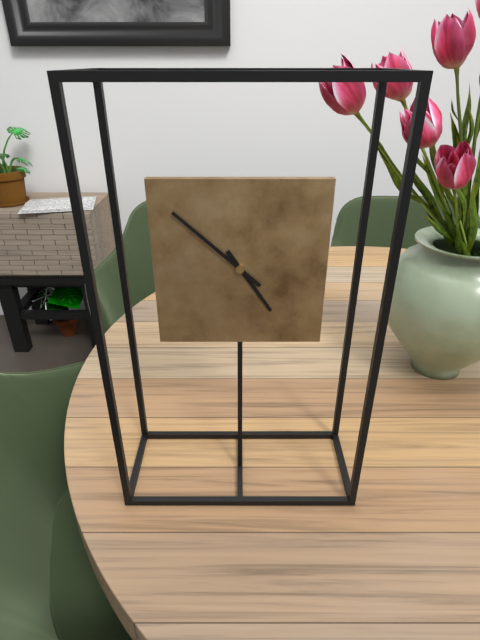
4.52
